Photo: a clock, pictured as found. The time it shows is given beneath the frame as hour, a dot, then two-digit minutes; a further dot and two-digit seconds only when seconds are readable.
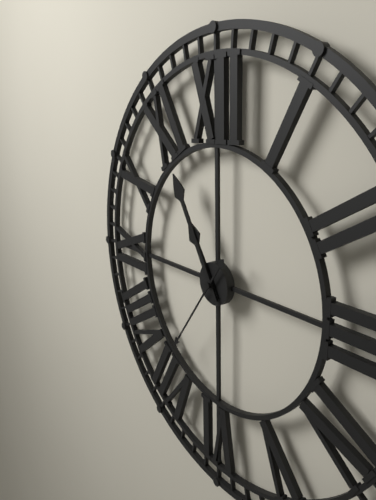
10.55.36
